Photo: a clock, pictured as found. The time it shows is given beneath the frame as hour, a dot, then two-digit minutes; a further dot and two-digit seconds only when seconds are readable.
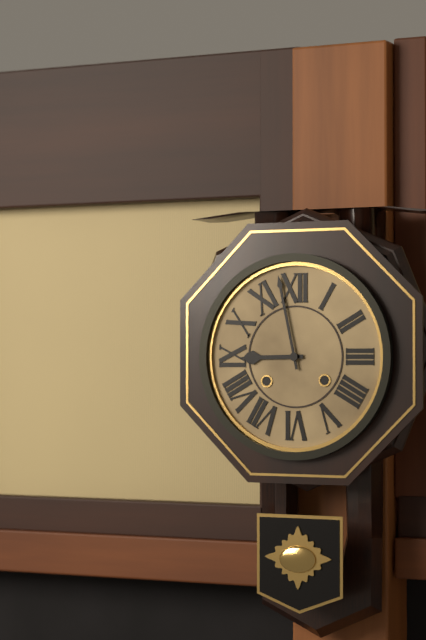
8.58
